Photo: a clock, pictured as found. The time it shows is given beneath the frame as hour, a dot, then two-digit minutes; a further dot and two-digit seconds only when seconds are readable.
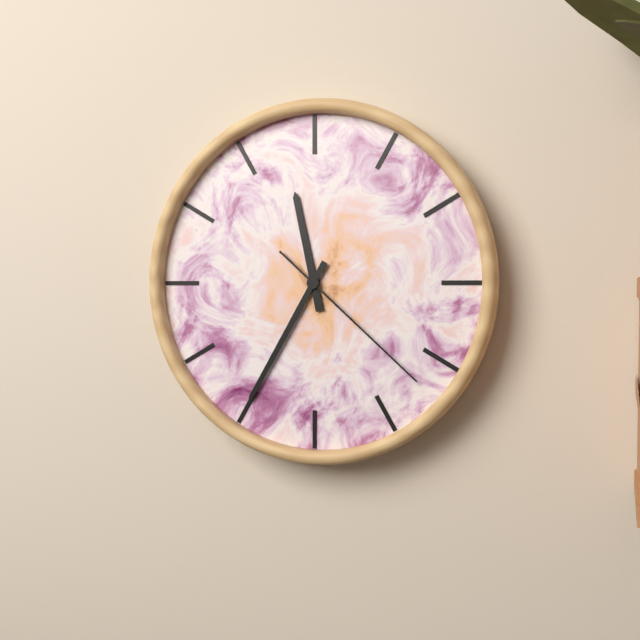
11.35.22
